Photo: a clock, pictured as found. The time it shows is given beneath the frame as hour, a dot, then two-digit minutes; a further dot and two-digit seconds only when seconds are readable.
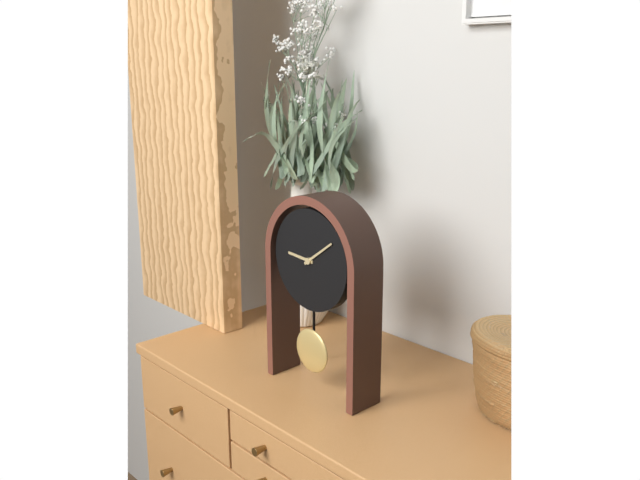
9.09
